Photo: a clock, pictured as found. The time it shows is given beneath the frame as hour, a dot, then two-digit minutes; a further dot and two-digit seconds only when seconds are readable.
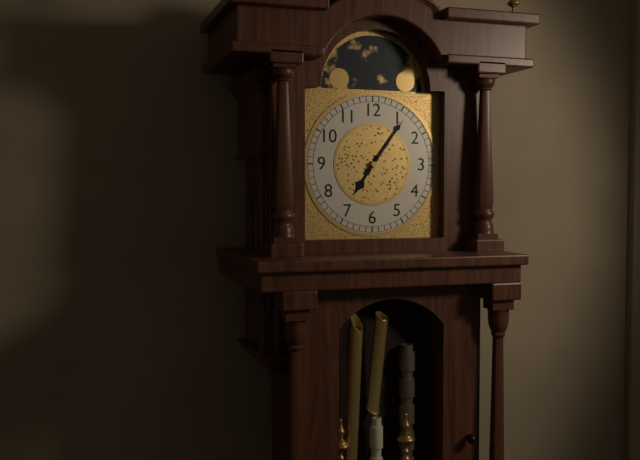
7.06
